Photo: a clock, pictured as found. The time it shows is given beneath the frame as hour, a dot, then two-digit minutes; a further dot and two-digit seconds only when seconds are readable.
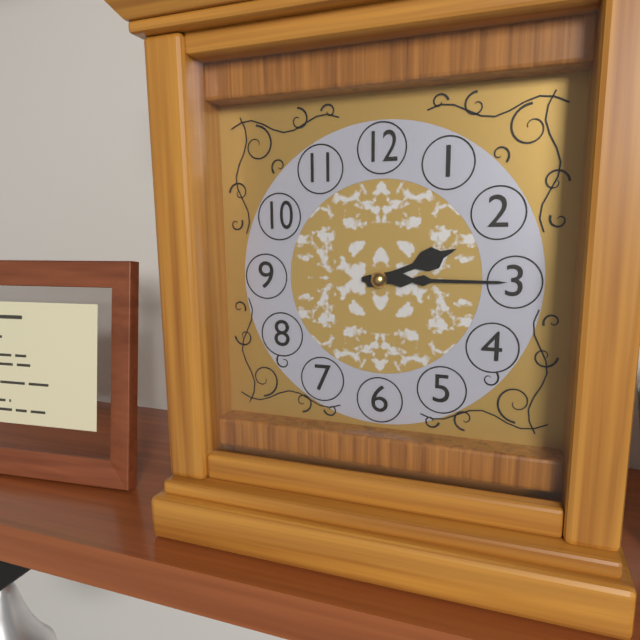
2.15
